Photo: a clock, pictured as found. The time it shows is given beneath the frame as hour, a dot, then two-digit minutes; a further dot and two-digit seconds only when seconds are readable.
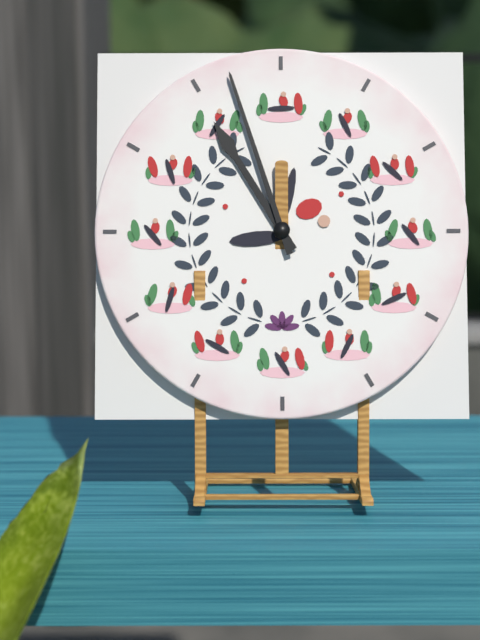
10.57
